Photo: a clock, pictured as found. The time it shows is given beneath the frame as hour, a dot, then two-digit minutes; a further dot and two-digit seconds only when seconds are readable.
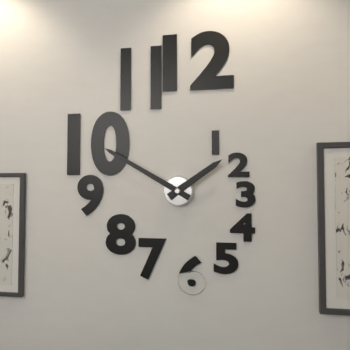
1.50
